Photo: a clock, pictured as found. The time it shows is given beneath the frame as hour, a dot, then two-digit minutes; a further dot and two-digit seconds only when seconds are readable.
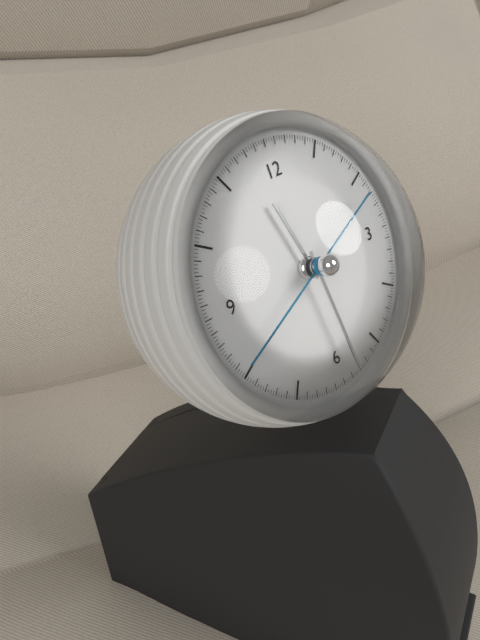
11.29.41
